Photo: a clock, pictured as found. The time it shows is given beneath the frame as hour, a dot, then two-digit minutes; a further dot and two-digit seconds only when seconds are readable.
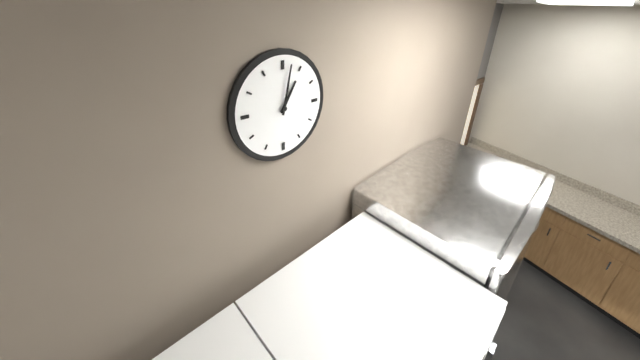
1.02
